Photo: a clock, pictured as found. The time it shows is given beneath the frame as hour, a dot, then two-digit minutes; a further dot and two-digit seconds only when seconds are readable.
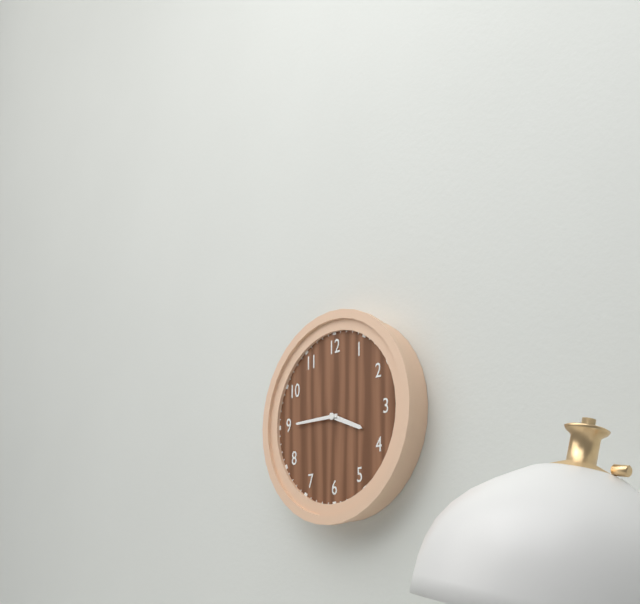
3.45
